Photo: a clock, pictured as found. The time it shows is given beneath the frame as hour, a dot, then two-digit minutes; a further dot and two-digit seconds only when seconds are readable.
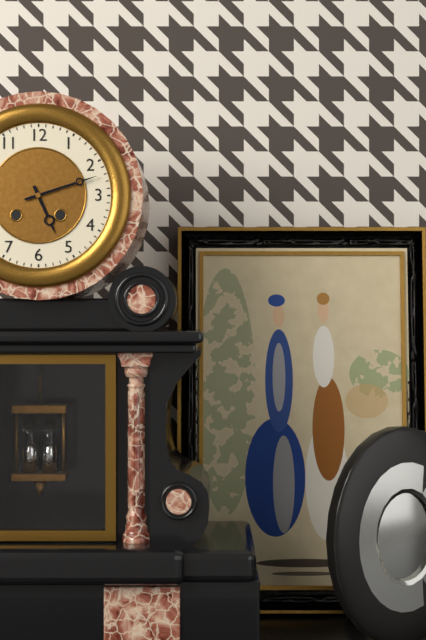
5.12
